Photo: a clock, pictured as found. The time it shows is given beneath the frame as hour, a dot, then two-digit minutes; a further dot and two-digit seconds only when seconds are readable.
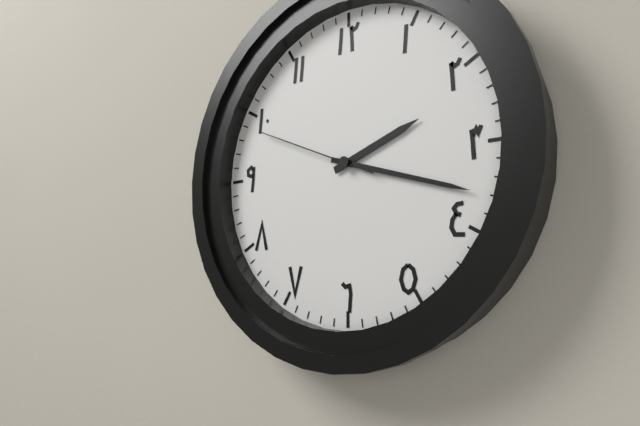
2.18.49
